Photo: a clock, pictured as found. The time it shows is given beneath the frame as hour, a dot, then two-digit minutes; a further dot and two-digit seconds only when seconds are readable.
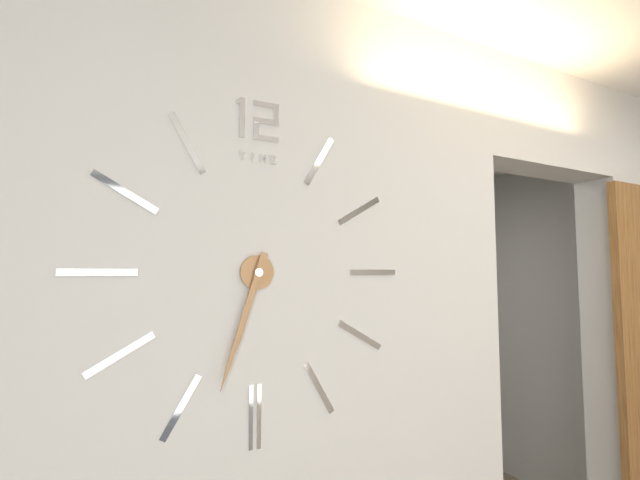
6.33
